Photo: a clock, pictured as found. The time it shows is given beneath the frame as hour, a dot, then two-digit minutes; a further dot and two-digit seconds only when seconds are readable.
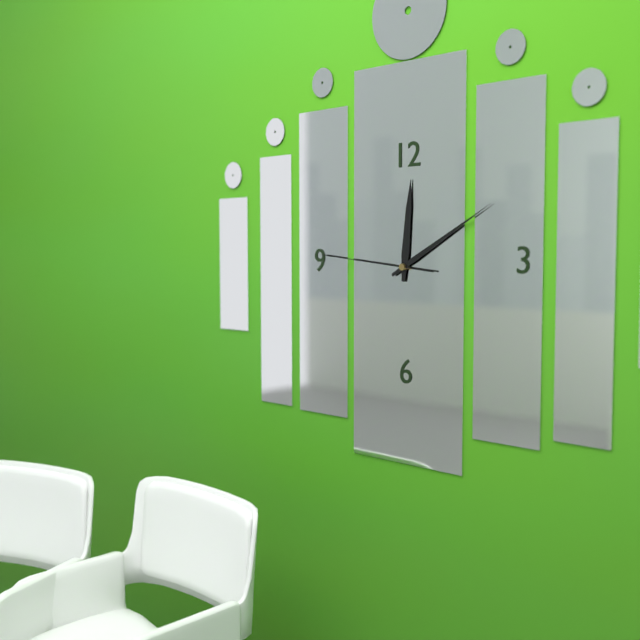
12.10.46
